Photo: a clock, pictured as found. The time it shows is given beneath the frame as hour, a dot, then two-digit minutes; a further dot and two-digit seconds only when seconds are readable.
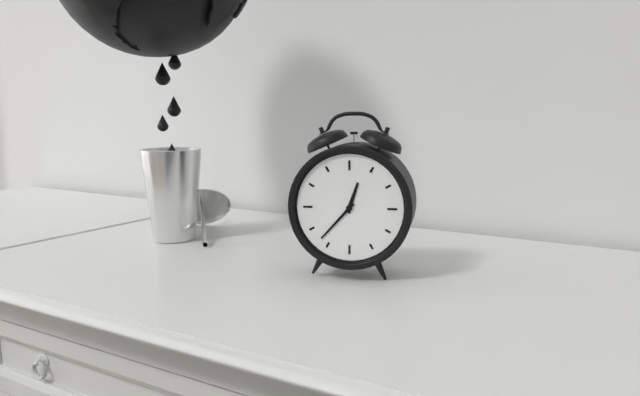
12.37
